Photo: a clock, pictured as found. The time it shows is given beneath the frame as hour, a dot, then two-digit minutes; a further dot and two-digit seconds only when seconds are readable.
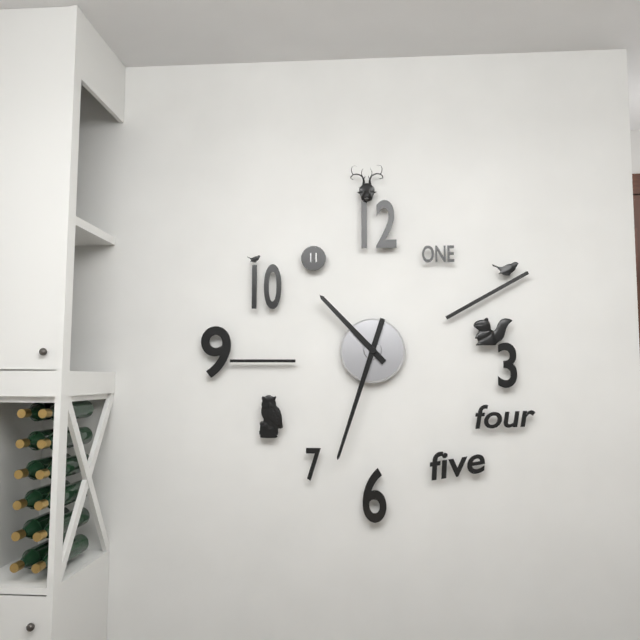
10.33
